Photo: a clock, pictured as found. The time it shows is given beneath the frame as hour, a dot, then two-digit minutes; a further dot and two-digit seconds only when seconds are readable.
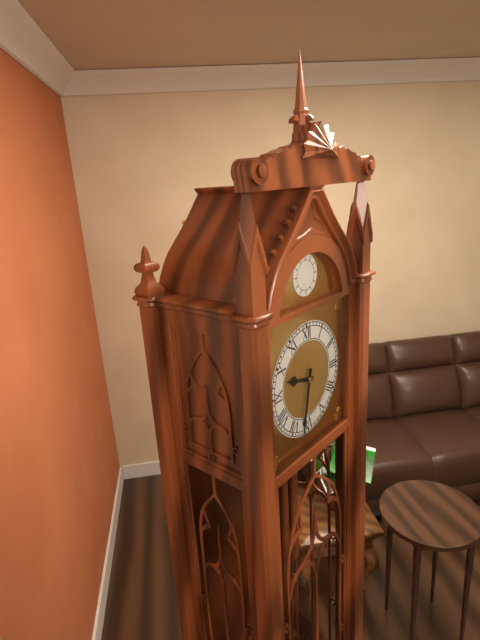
9.32
